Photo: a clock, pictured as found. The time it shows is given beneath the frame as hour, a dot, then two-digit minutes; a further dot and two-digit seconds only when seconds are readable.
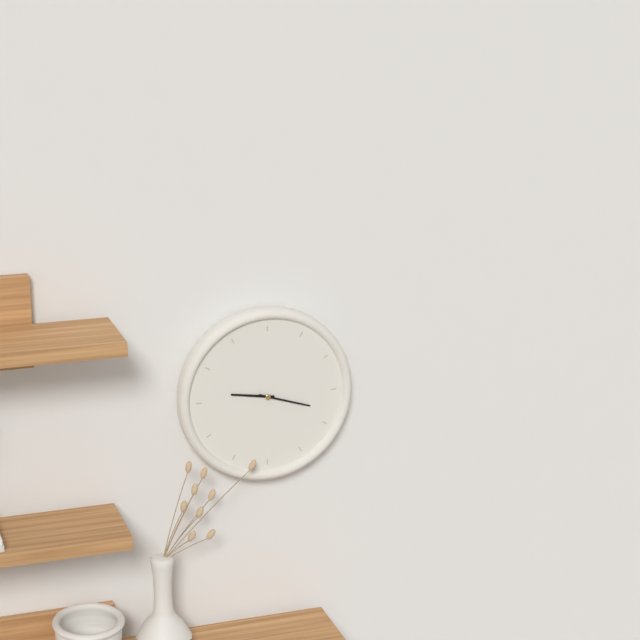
9.18
